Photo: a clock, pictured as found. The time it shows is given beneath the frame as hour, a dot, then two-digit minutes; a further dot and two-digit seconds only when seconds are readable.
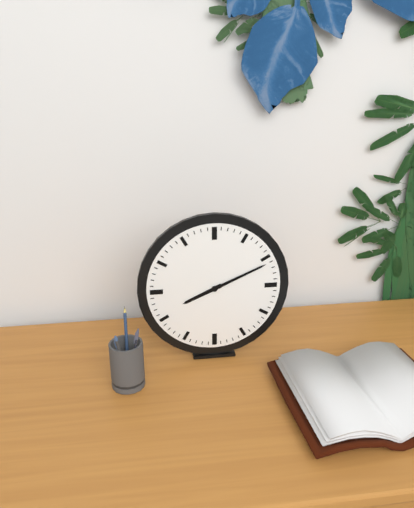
8.11
